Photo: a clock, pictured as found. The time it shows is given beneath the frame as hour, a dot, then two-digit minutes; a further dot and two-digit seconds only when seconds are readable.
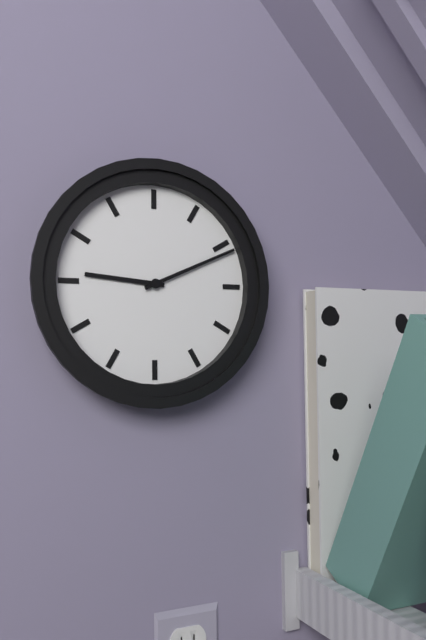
9.11
